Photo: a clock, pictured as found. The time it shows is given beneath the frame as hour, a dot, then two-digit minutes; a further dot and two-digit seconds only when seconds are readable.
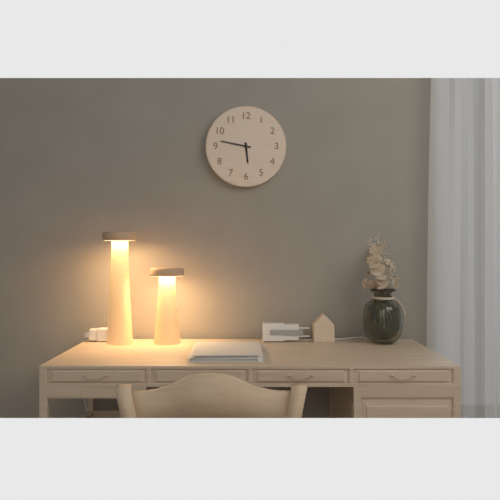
5.47
